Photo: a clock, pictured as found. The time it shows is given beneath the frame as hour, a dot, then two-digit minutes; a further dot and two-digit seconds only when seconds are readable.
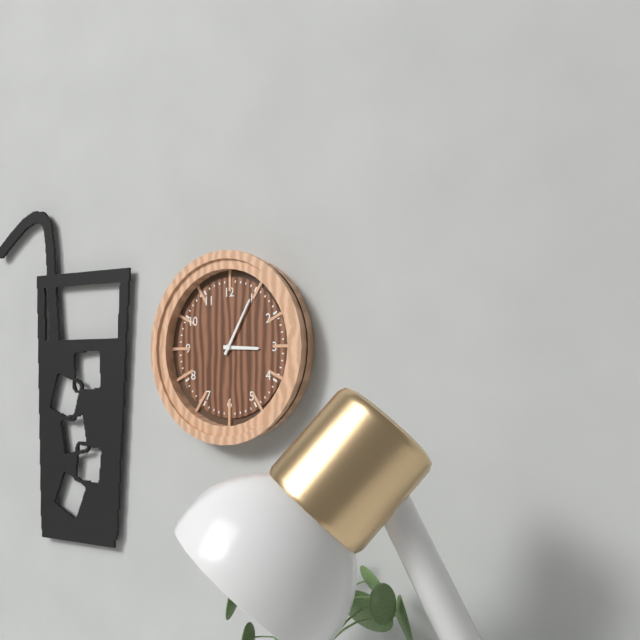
3.05
